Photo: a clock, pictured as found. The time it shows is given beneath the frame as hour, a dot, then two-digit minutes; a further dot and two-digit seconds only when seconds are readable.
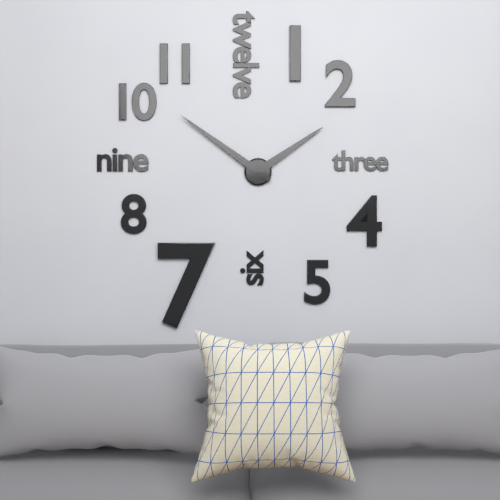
1.51
